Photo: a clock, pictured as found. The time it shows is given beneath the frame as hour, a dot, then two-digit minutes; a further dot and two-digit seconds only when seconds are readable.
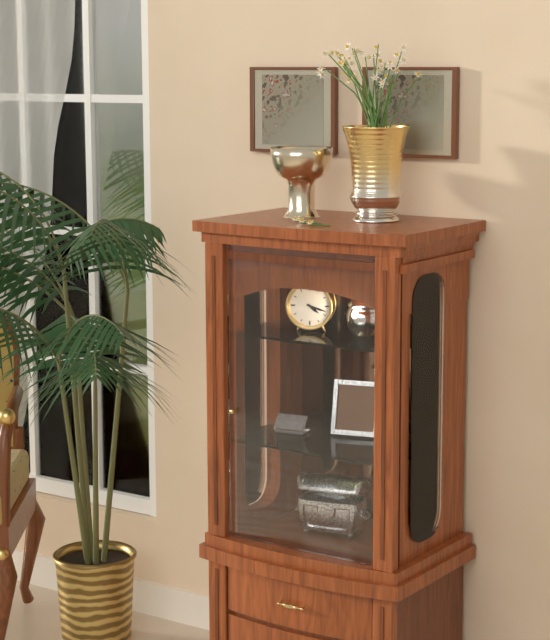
4.18
